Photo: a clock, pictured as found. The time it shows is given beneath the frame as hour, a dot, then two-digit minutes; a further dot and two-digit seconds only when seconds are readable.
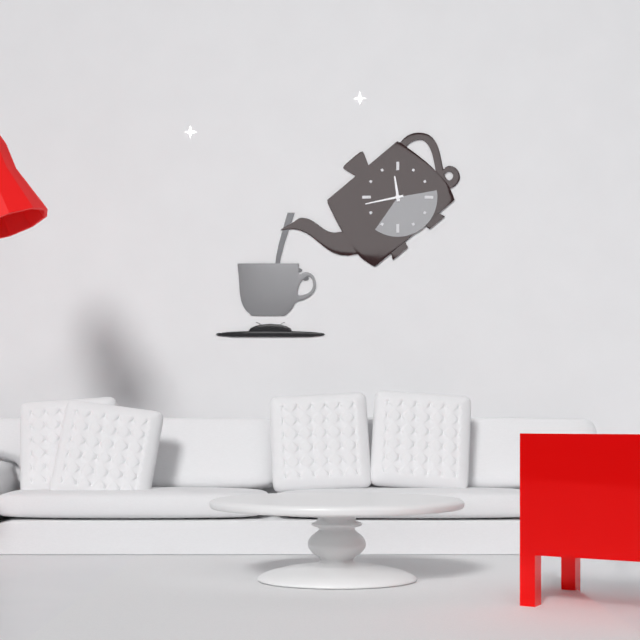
11.43
